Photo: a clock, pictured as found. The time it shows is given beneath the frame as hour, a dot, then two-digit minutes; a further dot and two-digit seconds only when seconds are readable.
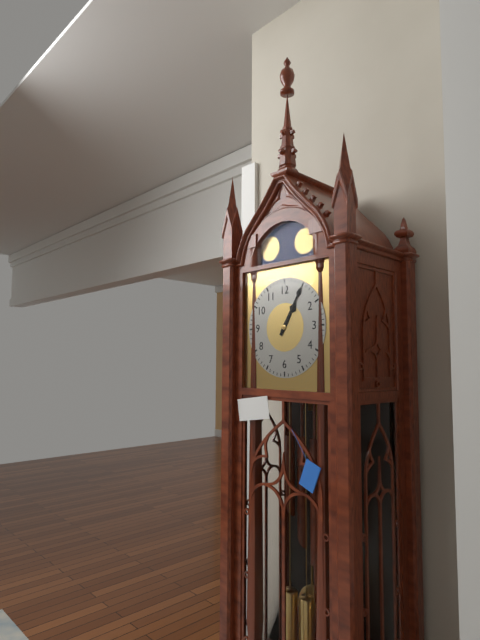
1.05
